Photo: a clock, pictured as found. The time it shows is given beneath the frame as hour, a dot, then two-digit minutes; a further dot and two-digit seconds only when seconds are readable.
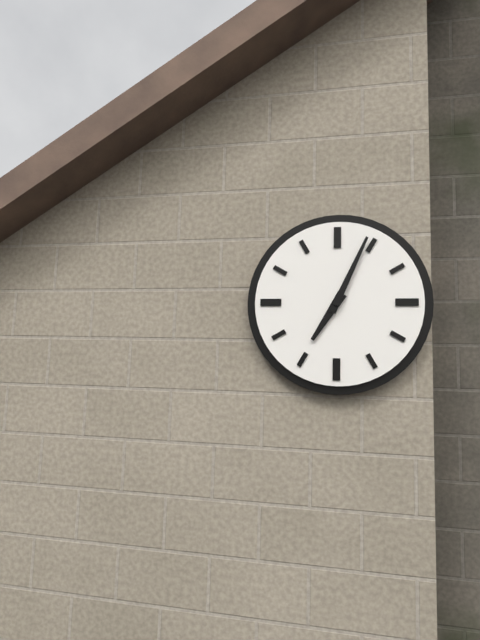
7.04
